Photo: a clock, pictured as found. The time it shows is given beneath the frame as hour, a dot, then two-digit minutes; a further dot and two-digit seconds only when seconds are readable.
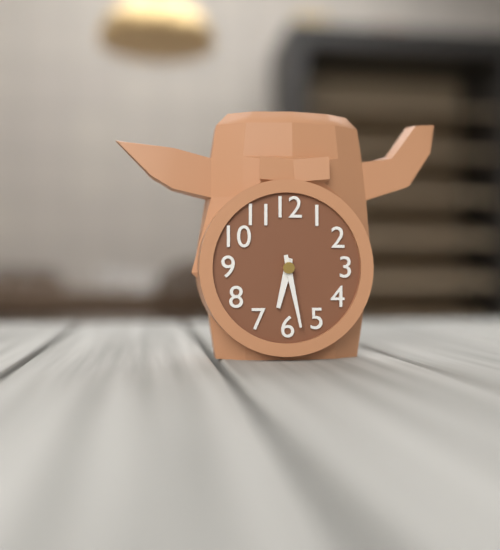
6.28
